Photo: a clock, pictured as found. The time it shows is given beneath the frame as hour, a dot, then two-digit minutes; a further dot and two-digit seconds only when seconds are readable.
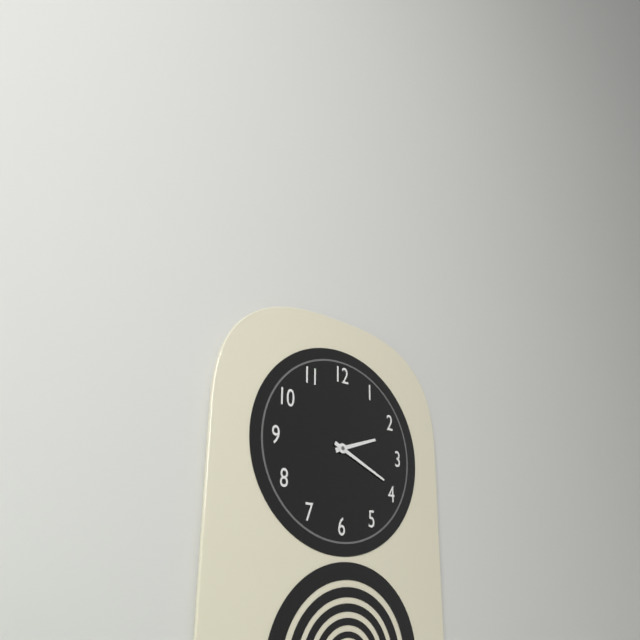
2.19
